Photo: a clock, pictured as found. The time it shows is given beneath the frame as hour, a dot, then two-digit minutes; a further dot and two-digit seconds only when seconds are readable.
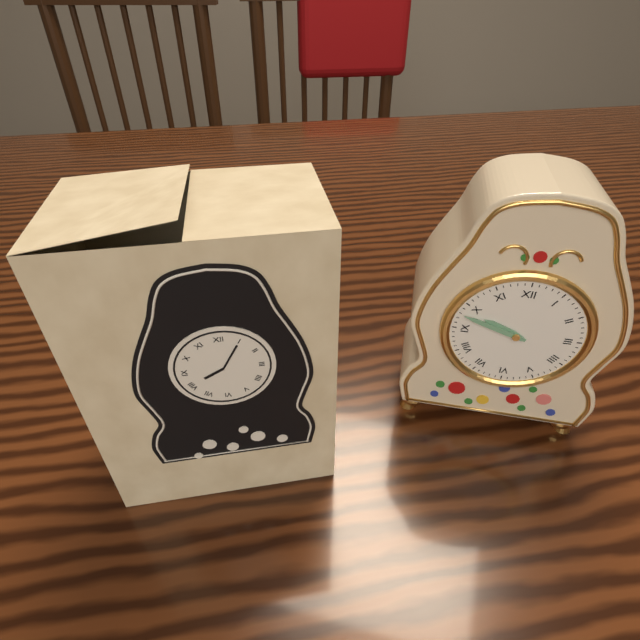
9.48
